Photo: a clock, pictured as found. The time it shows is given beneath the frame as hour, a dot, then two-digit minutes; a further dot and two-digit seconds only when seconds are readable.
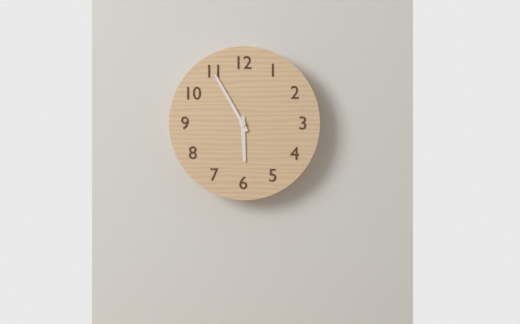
5.55
